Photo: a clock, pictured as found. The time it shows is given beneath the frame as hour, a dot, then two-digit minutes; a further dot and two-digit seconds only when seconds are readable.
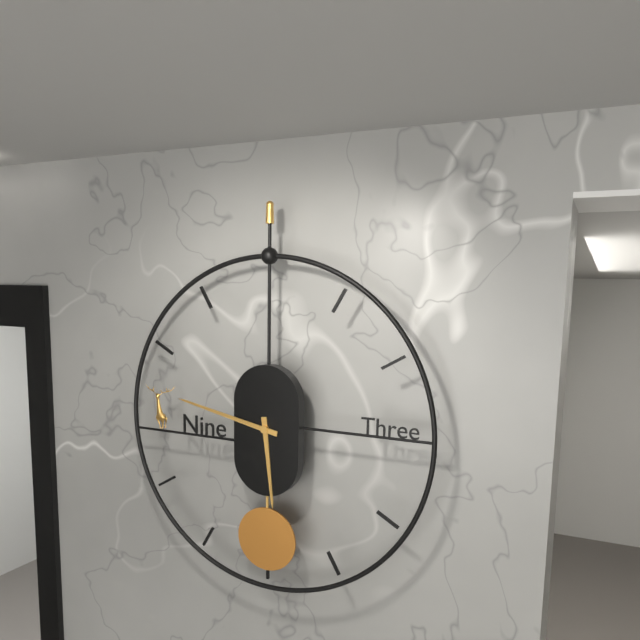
5.47
